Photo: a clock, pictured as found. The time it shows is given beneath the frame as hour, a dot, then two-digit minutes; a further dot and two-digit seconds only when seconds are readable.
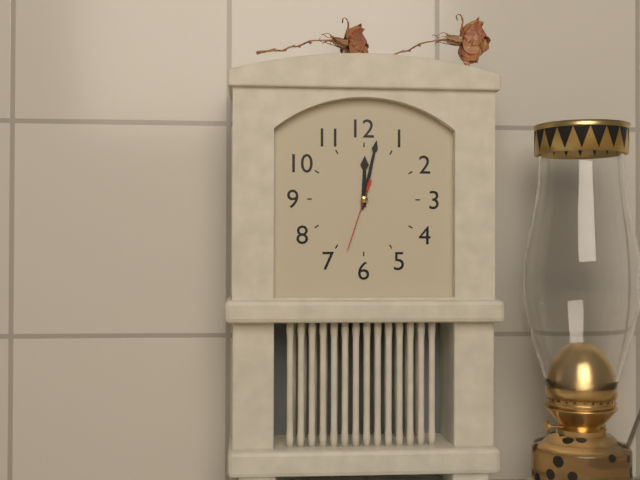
12.02.33
